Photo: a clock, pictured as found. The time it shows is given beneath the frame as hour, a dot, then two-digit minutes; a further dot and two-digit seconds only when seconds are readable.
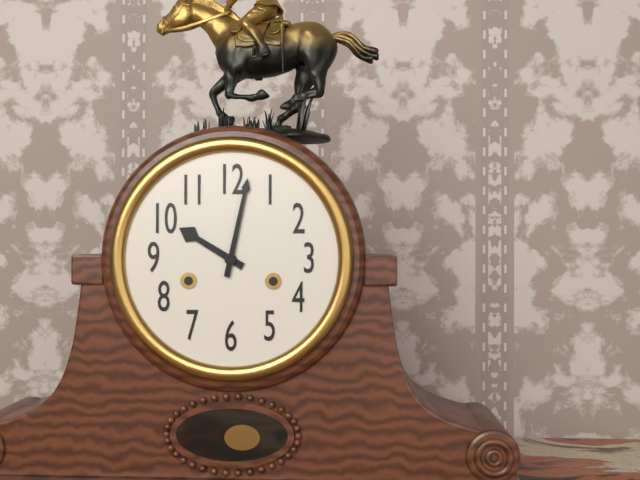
10.02
